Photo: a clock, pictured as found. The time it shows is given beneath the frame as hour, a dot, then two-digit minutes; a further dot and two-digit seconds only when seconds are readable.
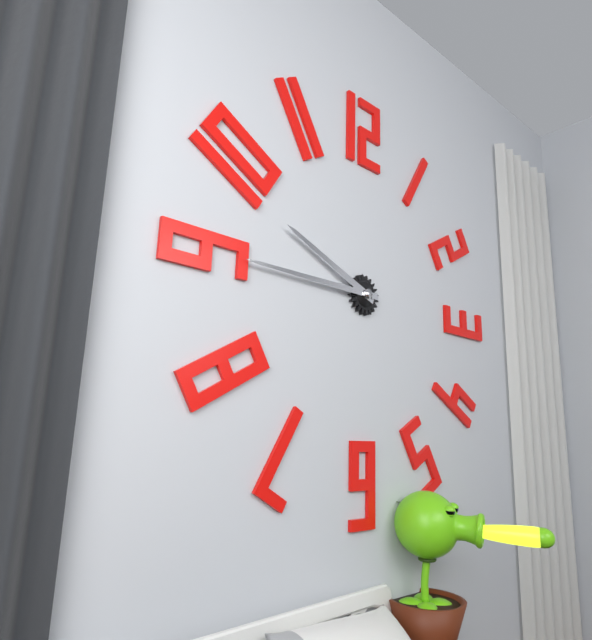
9.45
